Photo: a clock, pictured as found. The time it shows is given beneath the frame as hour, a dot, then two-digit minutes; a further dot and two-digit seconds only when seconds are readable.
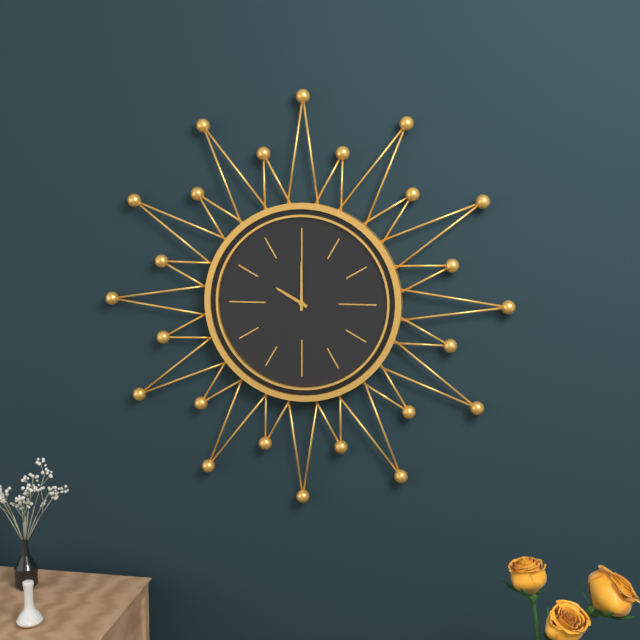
10.00
